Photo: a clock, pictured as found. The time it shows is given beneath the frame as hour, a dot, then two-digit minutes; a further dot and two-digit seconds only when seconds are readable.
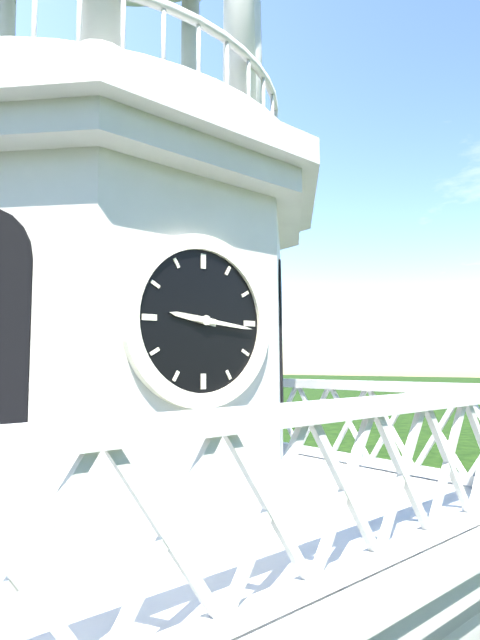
9.16
